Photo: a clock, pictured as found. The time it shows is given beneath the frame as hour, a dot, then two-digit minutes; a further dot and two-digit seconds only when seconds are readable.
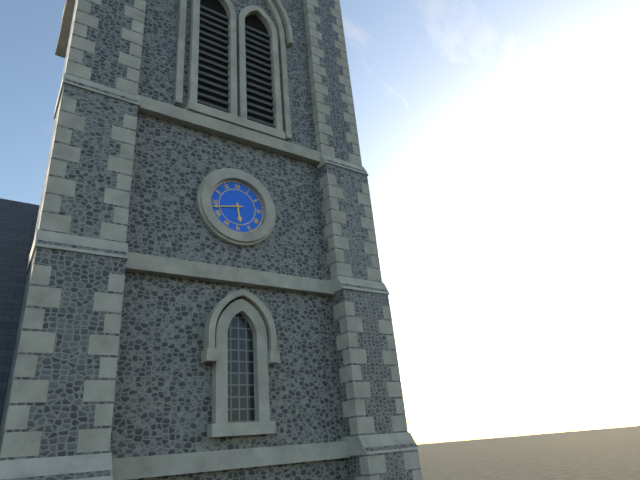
5.43
